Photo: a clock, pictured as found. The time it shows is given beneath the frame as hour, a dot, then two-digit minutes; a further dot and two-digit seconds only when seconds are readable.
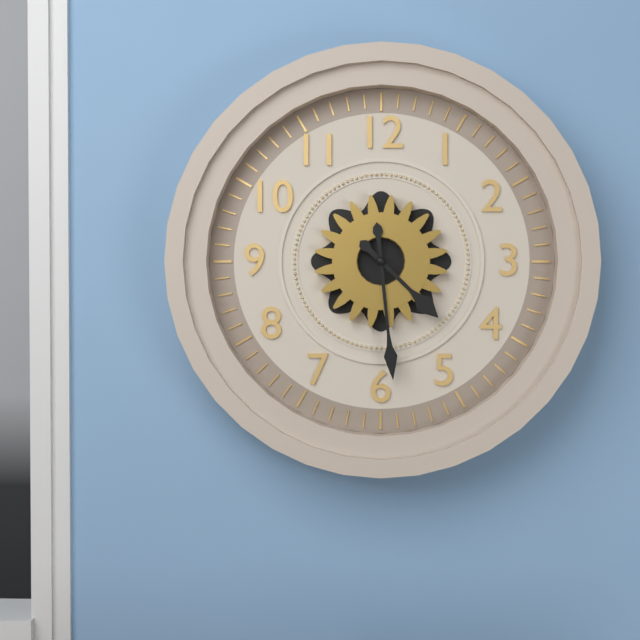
4.29
